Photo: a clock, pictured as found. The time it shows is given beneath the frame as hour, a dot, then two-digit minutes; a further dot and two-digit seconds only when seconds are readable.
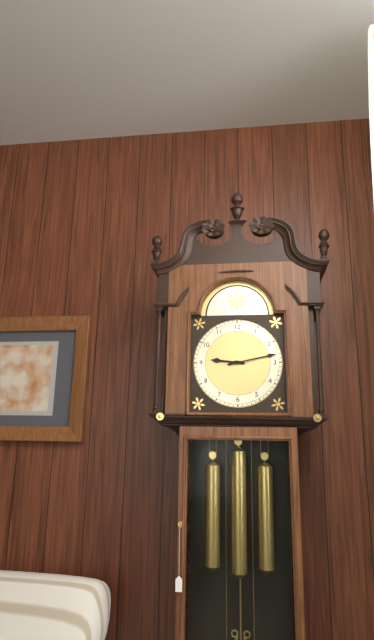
9.13
